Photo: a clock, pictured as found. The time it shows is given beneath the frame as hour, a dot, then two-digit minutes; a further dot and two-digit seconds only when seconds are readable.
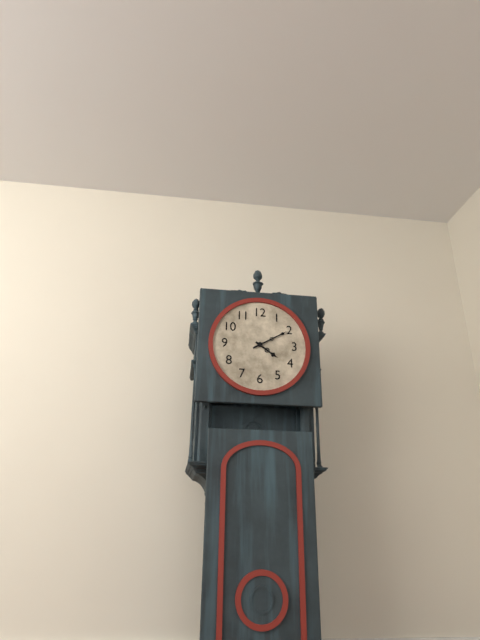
4.10
